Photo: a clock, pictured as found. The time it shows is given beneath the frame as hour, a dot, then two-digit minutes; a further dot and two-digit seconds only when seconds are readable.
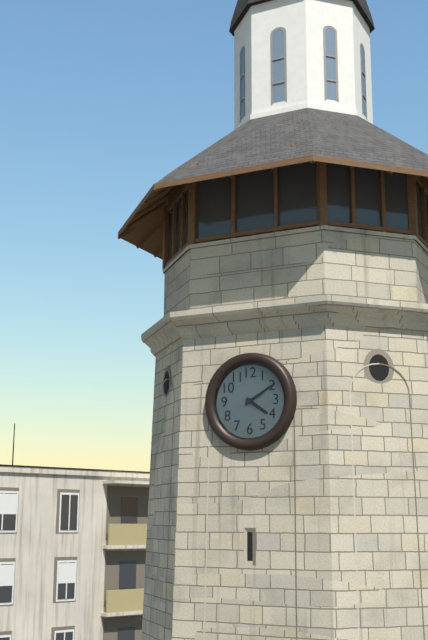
4.10
